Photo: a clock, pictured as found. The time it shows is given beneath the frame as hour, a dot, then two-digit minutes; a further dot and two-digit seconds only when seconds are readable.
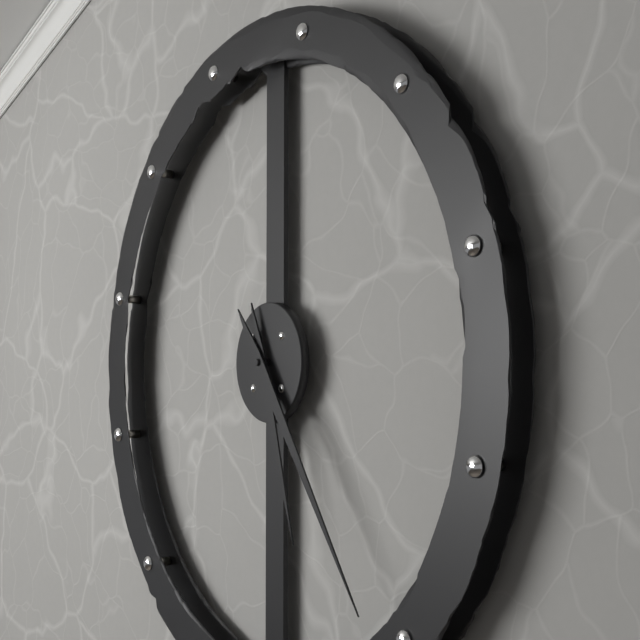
5.24
